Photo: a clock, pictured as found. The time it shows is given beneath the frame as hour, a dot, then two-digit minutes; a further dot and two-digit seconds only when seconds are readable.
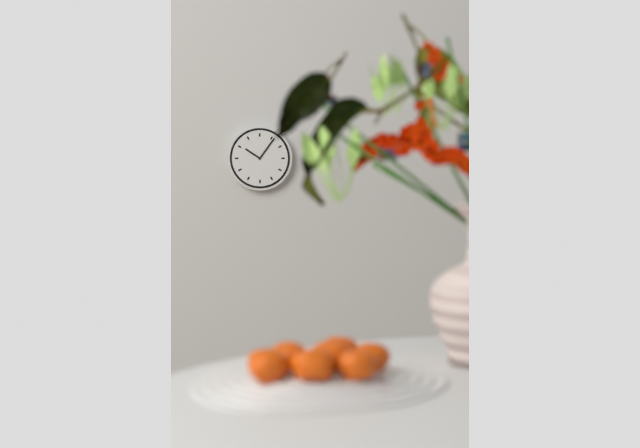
10.06
